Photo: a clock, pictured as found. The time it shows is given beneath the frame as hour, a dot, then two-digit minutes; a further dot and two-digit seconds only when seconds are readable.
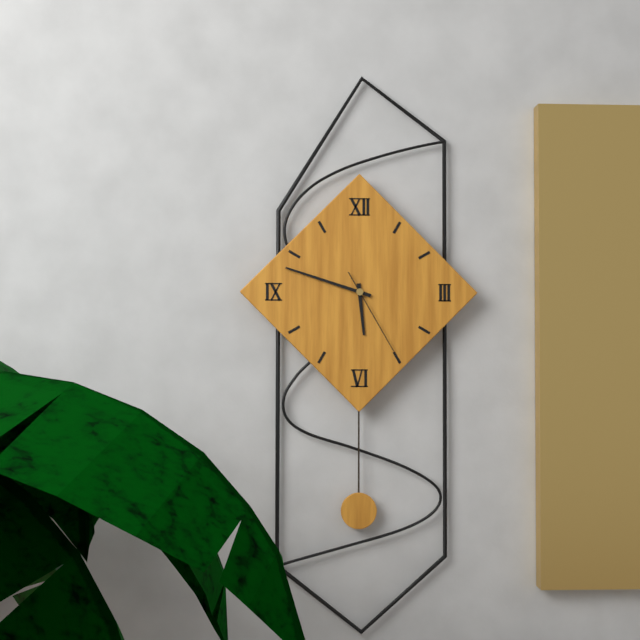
5.48.25
